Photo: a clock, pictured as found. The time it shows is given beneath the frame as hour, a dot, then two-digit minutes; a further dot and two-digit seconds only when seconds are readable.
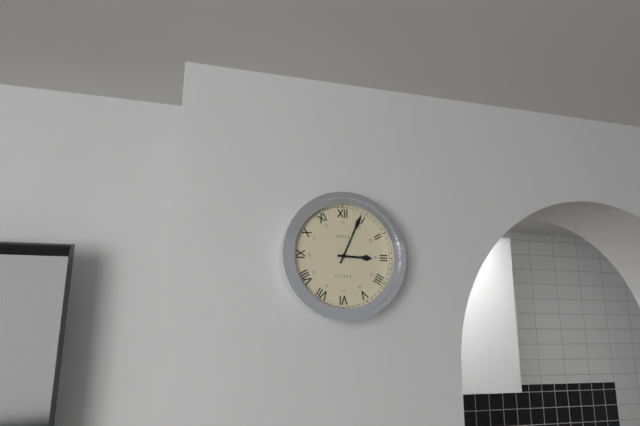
3.04
